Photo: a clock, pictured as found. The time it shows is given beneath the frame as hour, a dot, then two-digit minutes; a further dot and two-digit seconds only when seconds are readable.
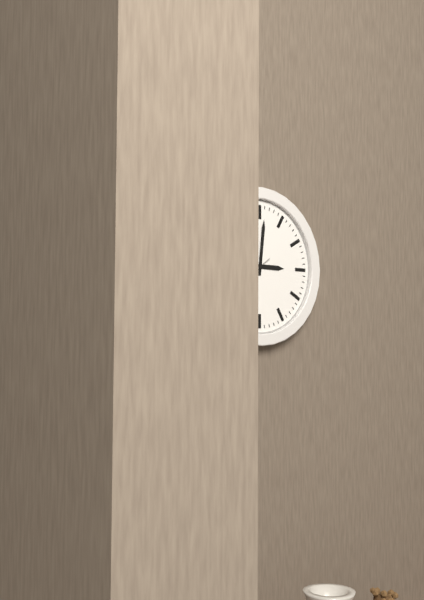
3.01
